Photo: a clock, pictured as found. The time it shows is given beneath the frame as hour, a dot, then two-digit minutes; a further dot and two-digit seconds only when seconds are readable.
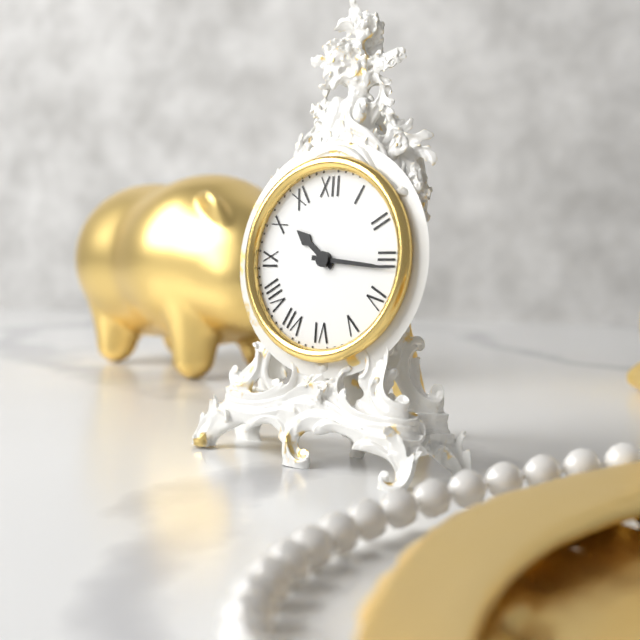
10.16
